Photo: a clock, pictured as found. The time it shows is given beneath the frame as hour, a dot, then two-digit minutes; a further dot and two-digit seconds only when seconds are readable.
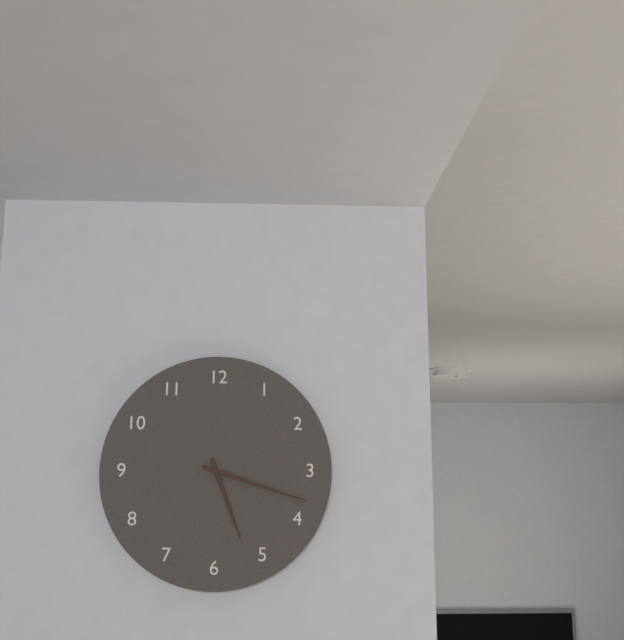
5.18
